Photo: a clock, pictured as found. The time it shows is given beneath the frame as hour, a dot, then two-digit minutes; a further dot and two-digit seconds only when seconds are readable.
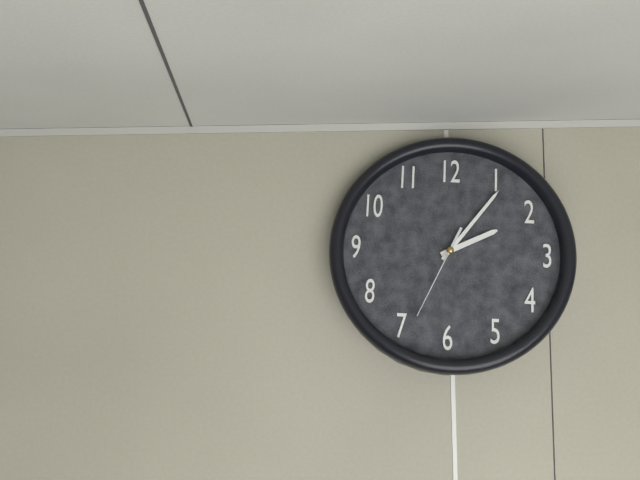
2.06.34
